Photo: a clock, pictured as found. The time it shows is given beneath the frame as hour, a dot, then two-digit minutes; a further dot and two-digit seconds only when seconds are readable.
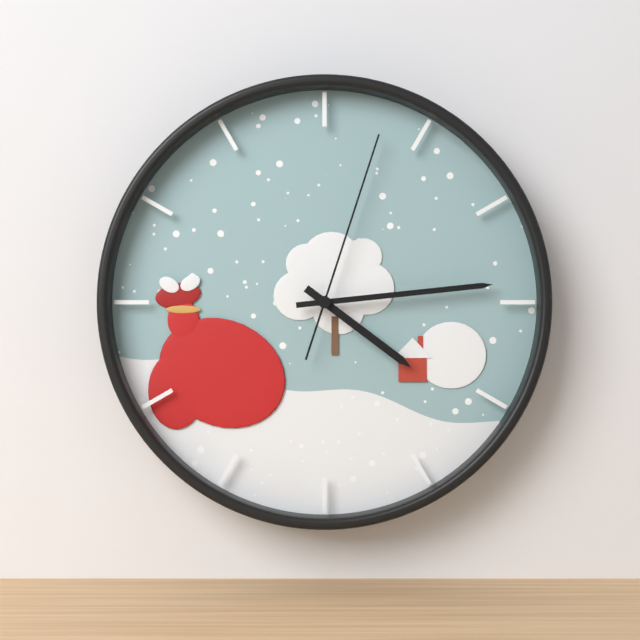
4.14.03
